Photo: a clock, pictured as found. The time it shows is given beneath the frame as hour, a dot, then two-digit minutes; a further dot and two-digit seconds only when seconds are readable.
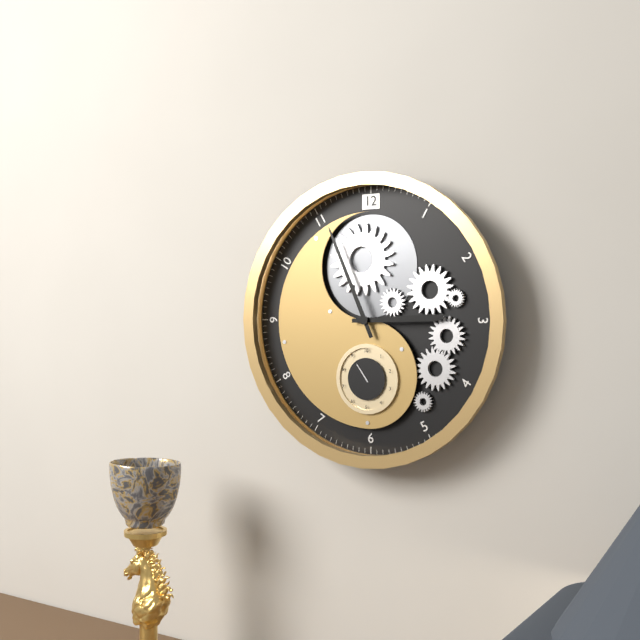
2.56
